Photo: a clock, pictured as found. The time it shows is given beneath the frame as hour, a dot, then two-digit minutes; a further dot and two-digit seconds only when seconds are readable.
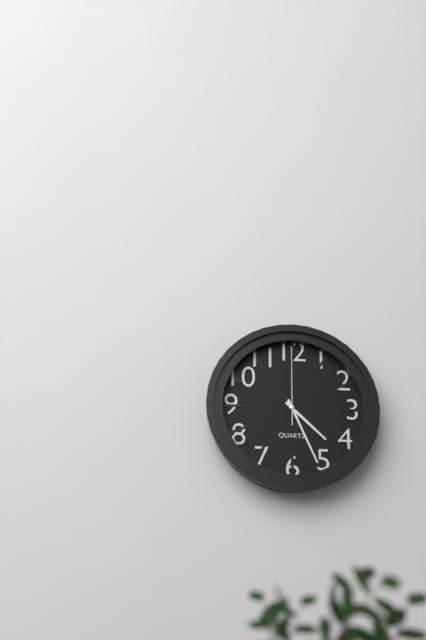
4.26.00
